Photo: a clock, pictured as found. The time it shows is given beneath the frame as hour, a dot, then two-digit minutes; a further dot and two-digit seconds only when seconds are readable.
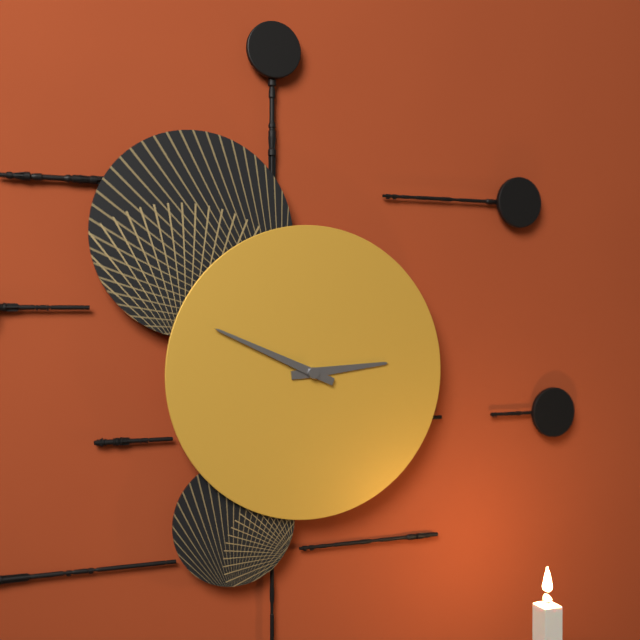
2.49
